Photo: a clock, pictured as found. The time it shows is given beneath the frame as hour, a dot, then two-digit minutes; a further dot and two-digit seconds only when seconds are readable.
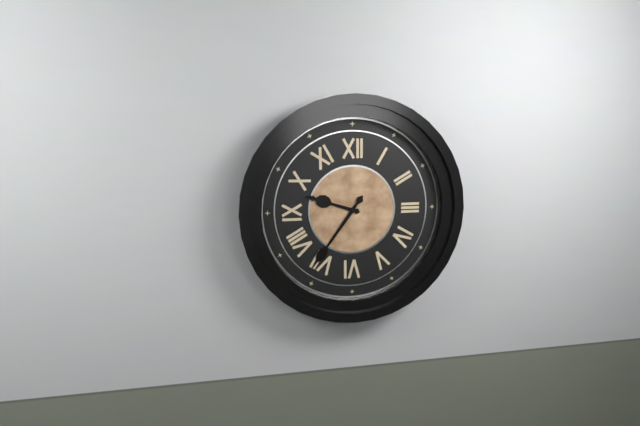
9.36
